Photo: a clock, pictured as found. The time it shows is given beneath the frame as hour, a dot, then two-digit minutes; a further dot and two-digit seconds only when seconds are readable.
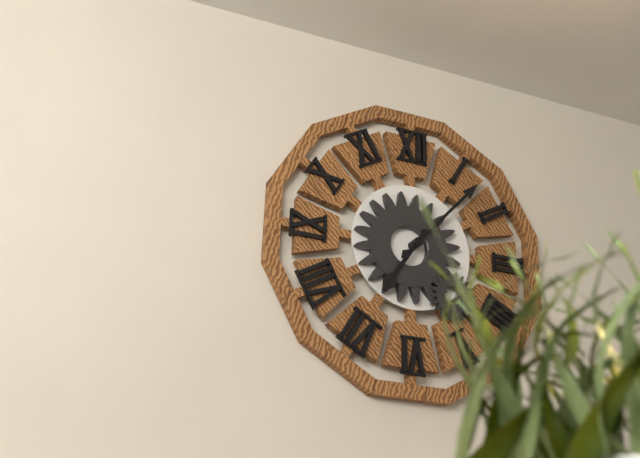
7.07
